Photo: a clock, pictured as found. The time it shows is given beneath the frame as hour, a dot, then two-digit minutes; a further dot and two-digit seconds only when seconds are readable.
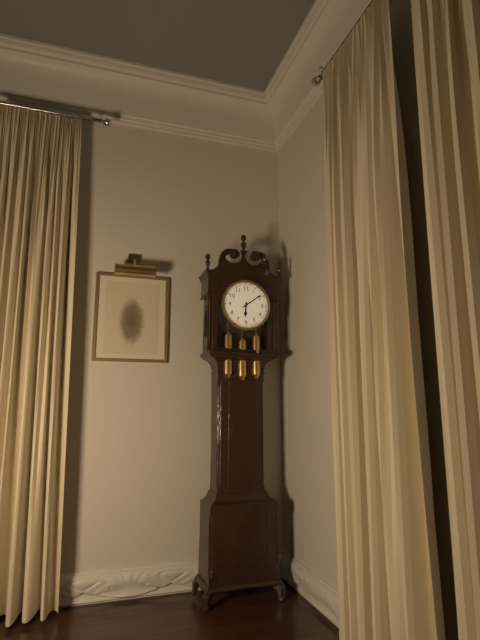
6.09
